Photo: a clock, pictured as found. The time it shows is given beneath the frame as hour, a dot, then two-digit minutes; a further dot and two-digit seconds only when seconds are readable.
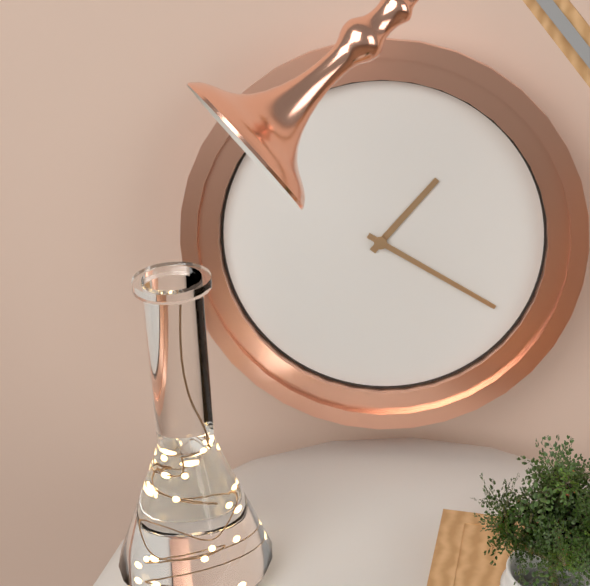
1.20
